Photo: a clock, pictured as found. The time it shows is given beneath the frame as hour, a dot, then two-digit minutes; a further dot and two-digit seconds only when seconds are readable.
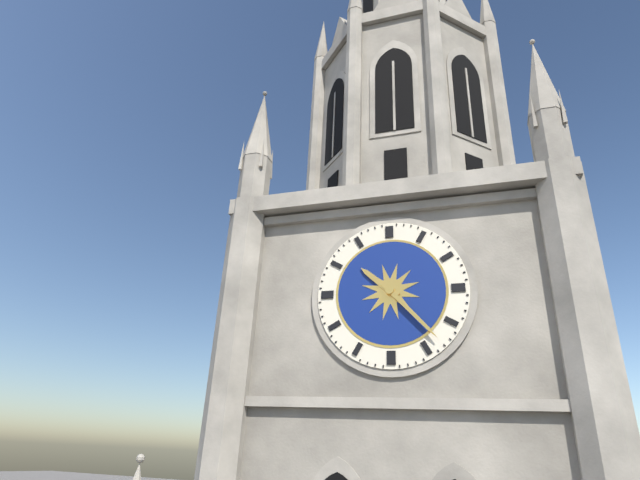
10.23
